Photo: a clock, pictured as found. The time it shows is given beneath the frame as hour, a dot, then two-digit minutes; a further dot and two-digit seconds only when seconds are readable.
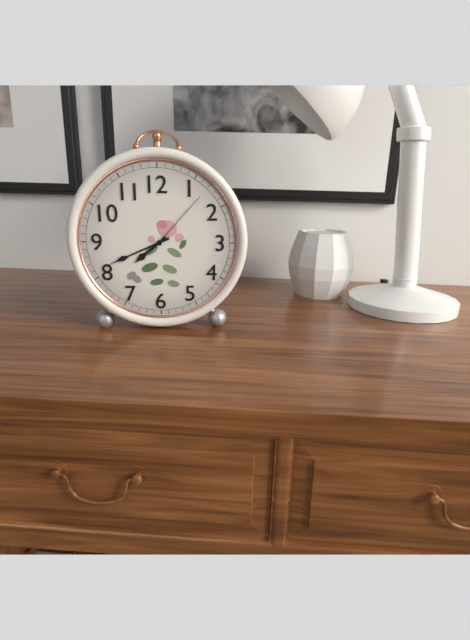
7.41.07
